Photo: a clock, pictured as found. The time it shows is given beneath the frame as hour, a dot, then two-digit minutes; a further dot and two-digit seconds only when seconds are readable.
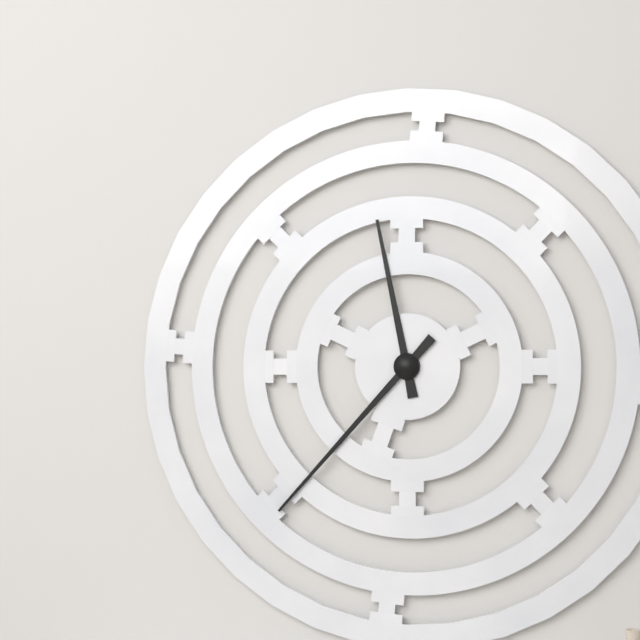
11.37
